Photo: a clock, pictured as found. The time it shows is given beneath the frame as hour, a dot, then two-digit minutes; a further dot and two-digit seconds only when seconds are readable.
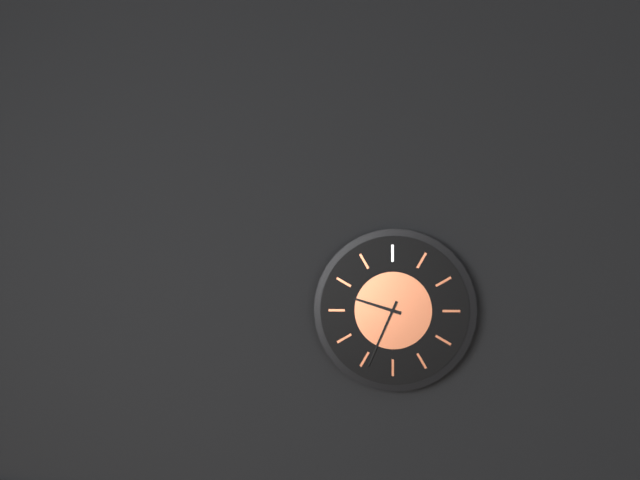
9.34
